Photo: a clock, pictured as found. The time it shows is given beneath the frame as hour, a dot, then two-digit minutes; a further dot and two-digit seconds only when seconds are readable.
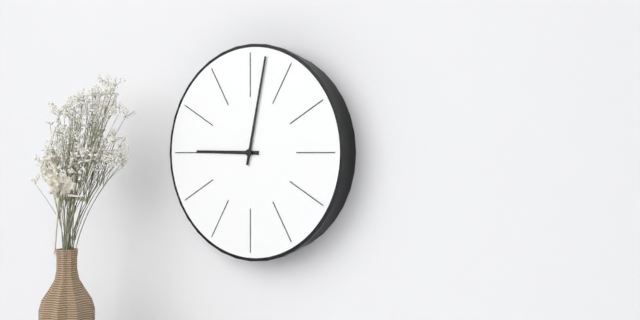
9.02
